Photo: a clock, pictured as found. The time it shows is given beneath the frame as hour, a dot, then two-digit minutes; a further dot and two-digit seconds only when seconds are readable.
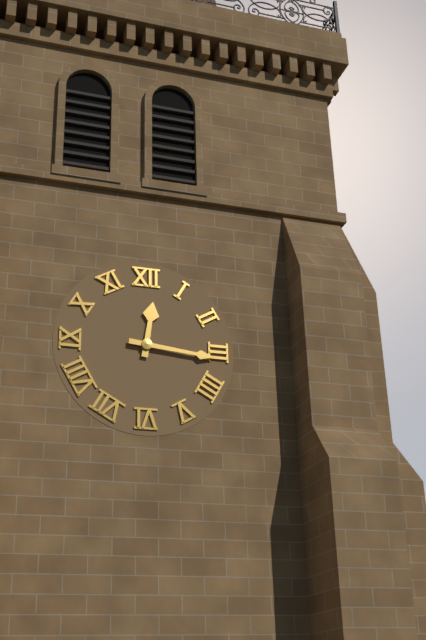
12.16
